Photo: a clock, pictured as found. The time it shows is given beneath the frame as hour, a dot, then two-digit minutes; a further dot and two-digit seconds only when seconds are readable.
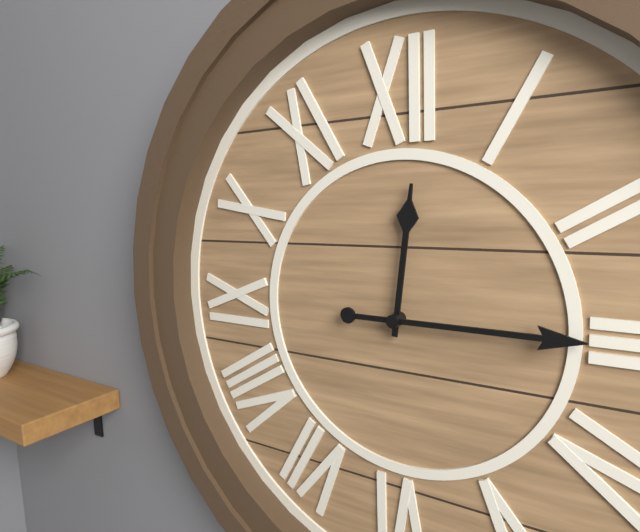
12.15
